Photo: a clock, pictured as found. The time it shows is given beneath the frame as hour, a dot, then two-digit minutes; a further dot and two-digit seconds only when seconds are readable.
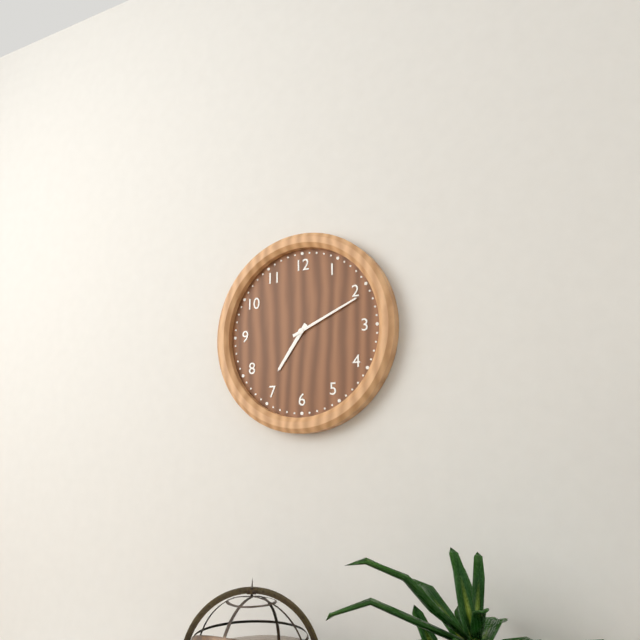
7.11
